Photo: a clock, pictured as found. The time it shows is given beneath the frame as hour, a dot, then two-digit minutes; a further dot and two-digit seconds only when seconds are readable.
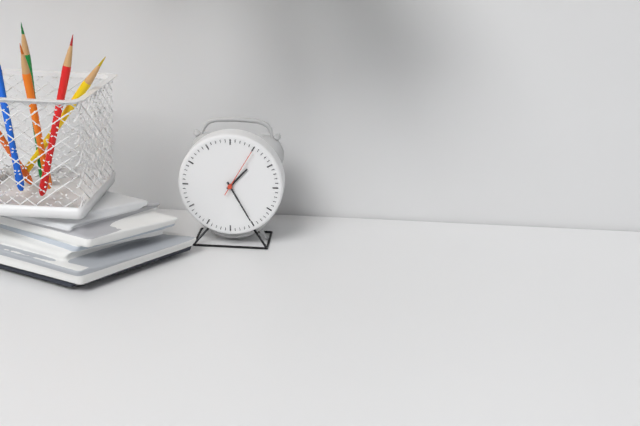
1.25
